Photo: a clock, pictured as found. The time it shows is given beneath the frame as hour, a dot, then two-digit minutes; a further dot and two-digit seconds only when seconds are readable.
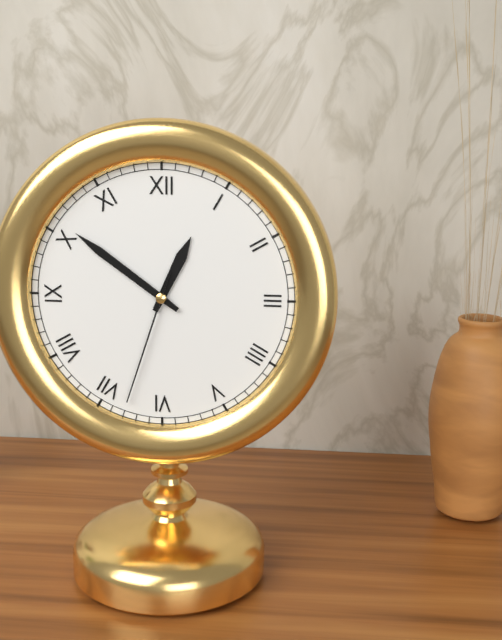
12.51.33
